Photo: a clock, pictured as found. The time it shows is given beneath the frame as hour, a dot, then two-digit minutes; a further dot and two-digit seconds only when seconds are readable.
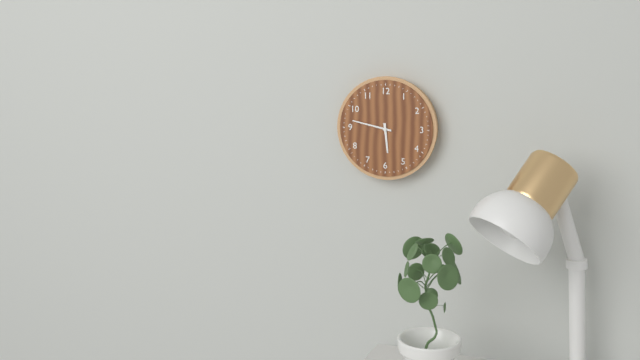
5.47
